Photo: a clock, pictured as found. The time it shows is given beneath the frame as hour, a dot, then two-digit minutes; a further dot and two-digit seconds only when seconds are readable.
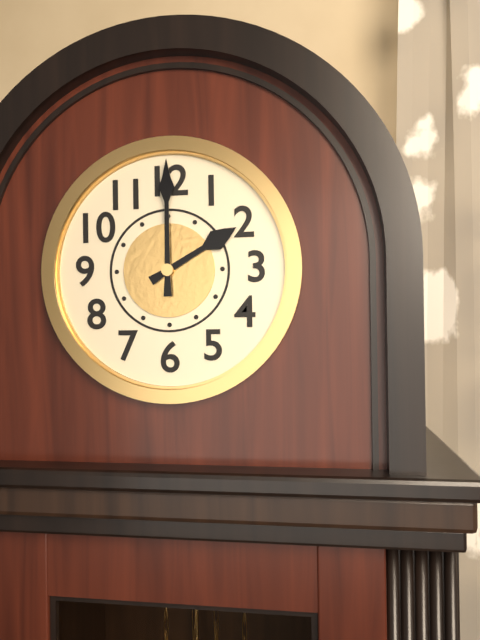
2.00
